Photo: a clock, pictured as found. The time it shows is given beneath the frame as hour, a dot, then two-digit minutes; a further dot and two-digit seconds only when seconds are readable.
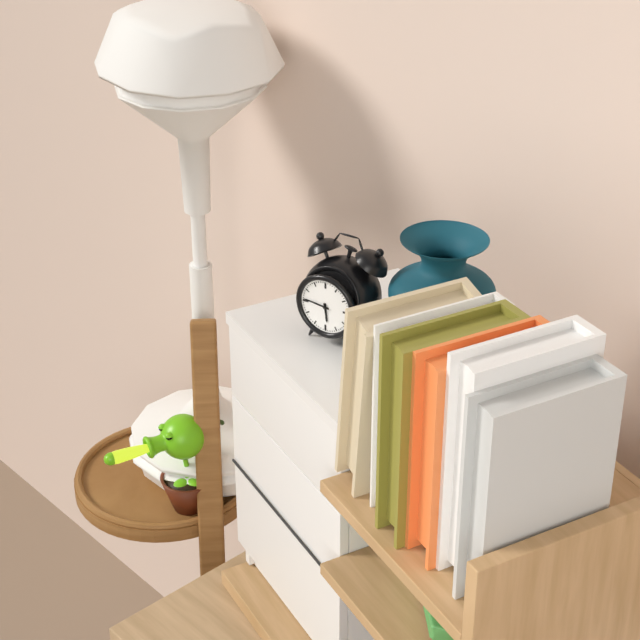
5.46
